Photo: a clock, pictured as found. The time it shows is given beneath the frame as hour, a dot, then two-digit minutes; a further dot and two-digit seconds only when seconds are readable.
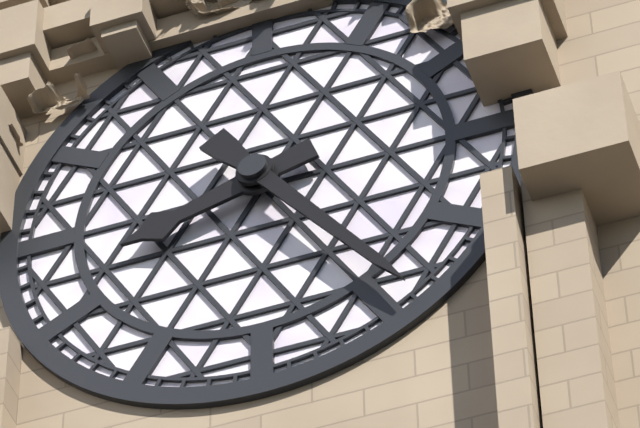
8.24
